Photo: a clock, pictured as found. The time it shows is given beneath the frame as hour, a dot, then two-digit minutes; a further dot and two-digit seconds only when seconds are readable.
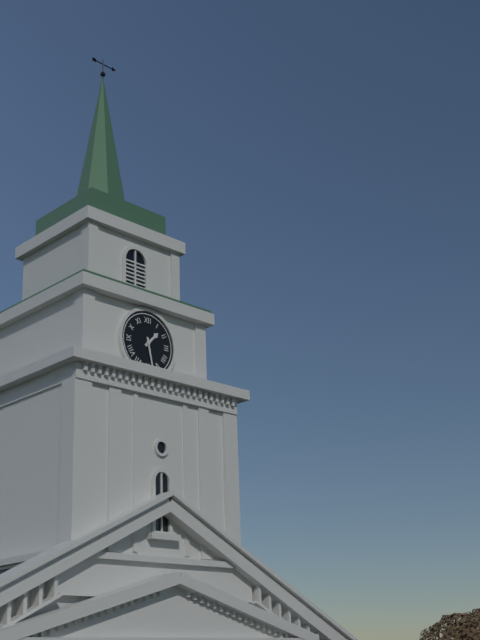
1.28
